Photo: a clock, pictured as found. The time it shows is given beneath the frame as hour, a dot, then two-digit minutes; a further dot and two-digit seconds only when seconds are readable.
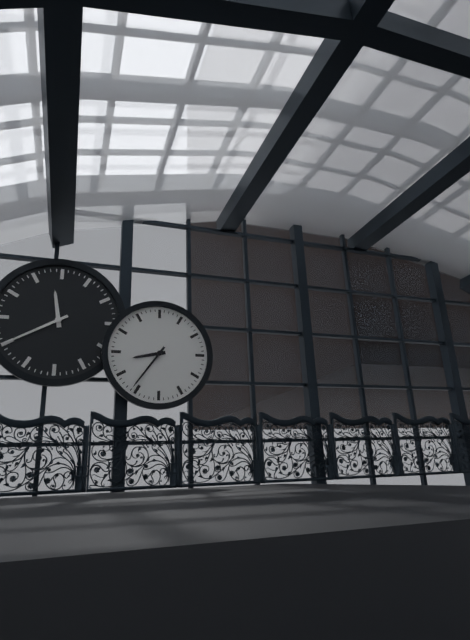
8.36
